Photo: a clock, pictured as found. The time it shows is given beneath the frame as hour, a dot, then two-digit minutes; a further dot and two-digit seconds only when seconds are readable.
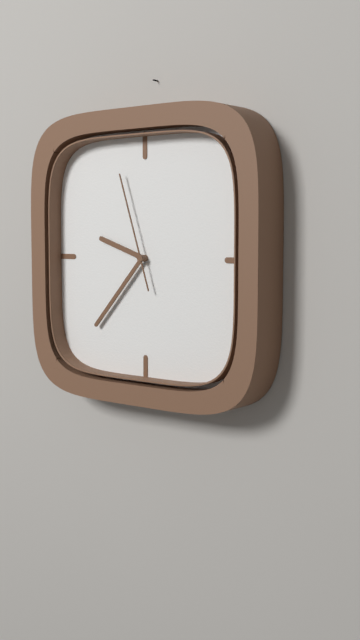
9.37.57
